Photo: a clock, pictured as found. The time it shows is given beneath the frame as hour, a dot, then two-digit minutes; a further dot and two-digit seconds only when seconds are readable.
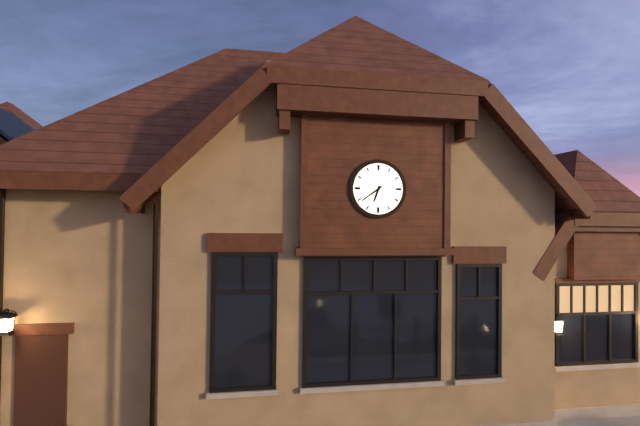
6.39
